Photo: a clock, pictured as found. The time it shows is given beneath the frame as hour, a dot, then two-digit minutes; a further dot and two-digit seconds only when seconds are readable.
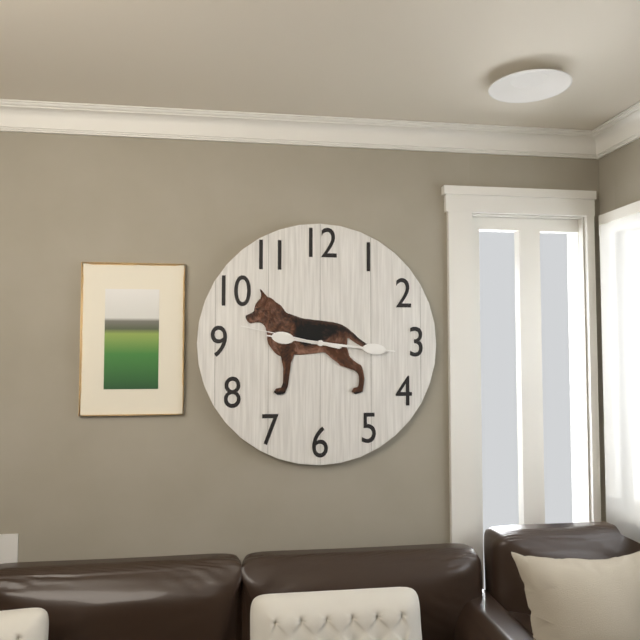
9.16.47
